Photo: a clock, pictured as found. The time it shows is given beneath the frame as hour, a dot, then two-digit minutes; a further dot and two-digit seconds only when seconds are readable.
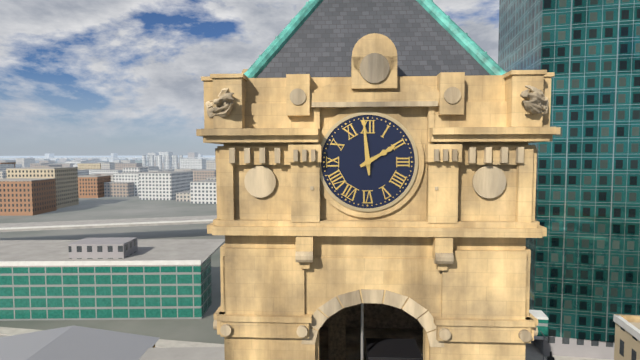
1.59
